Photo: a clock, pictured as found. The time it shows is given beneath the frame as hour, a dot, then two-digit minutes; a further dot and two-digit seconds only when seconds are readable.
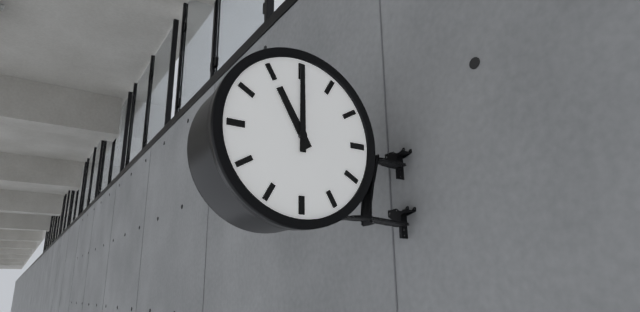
11.00
